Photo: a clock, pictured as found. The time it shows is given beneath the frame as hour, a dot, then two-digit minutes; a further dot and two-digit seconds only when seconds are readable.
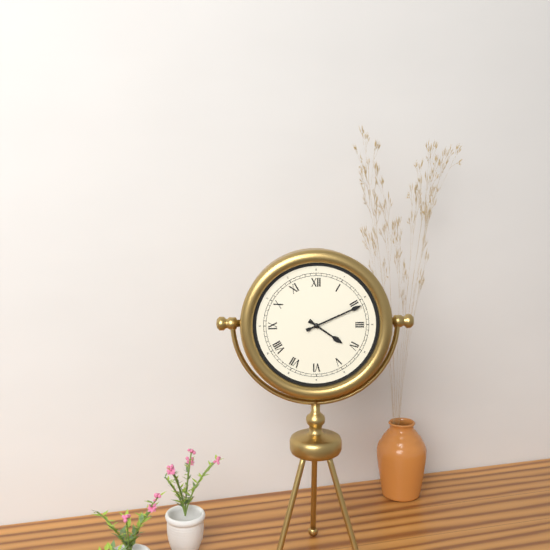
4.11
